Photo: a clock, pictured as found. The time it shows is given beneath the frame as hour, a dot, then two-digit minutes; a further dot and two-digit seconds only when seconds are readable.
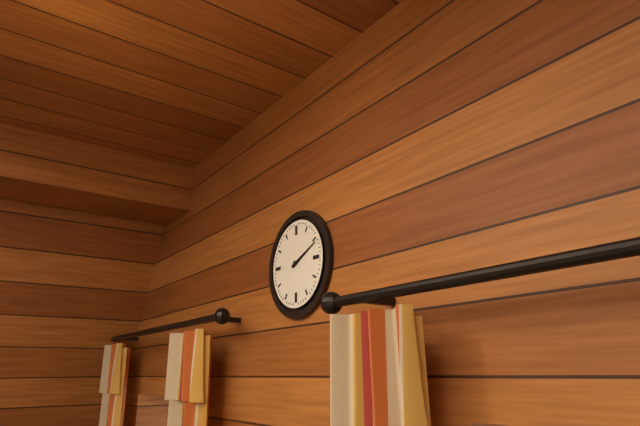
2.11
